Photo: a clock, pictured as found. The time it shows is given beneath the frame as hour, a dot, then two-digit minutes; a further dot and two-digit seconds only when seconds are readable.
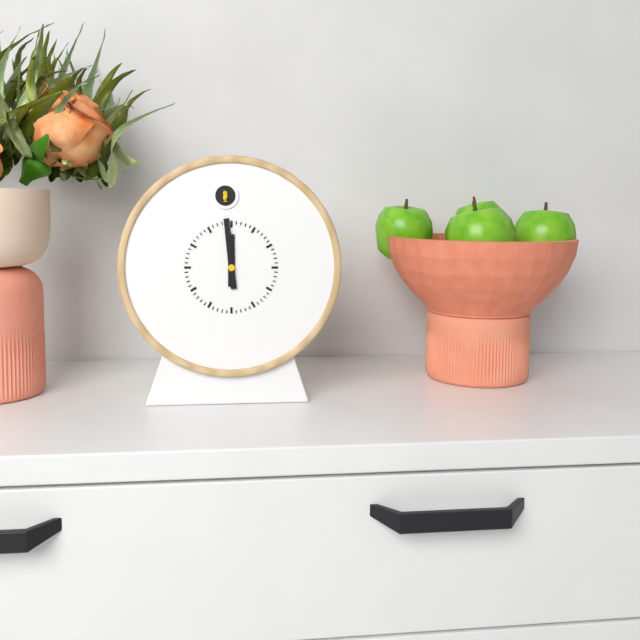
11.59
